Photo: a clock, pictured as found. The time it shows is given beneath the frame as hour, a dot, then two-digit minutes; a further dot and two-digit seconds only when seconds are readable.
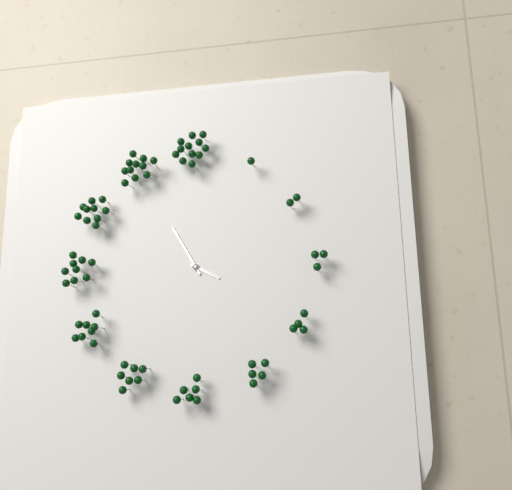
3.55
